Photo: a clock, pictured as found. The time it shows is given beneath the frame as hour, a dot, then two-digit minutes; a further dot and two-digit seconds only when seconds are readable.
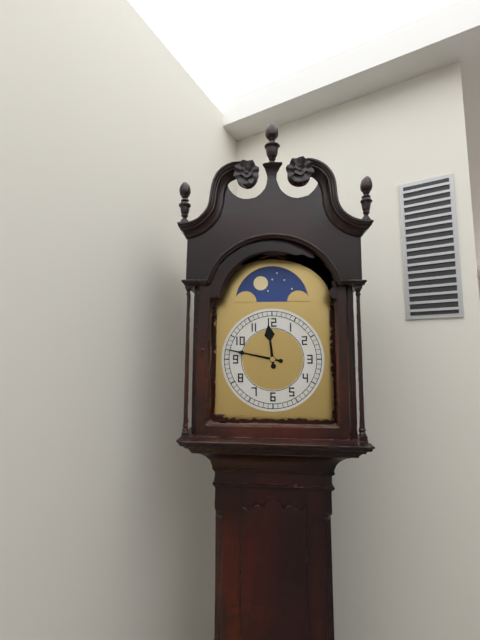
11.47
